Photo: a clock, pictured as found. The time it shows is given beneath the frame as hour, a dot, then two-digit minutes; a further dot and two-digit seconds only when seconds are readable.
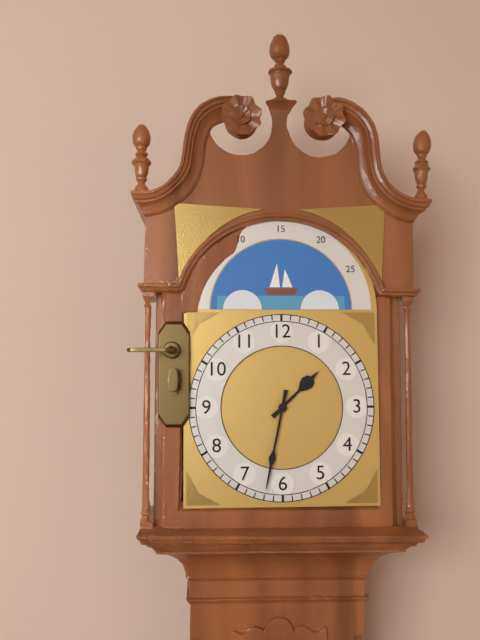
1.32
